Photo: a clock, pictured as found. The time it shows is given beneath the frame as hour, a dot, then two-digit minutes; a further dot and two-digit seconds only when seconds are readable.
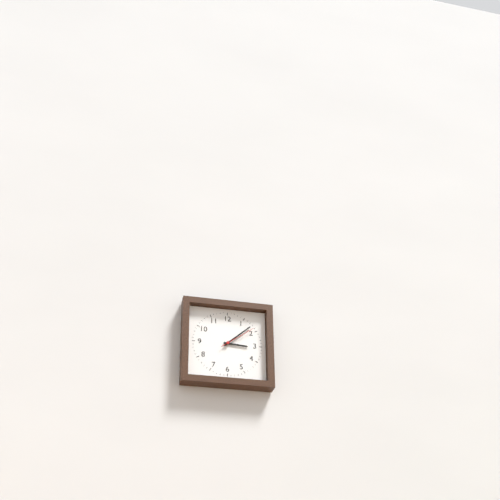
3.08
